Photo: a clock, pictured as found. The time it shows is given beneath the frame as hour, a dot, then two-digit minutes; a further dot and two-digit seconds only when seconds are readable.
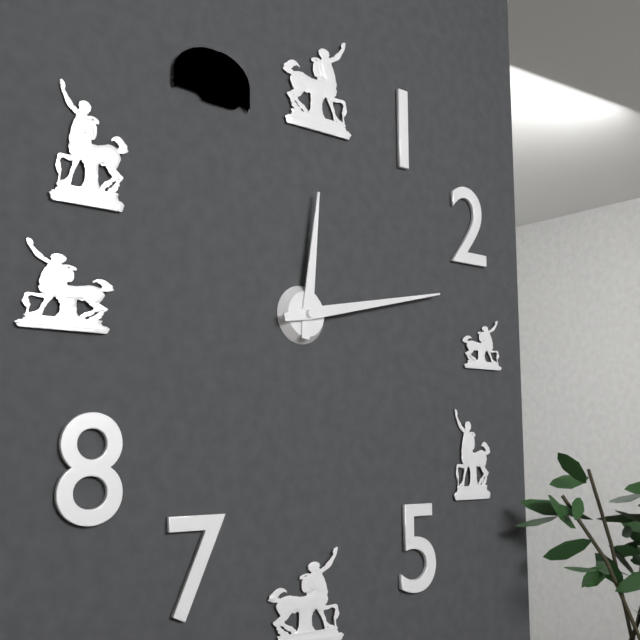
12.13
